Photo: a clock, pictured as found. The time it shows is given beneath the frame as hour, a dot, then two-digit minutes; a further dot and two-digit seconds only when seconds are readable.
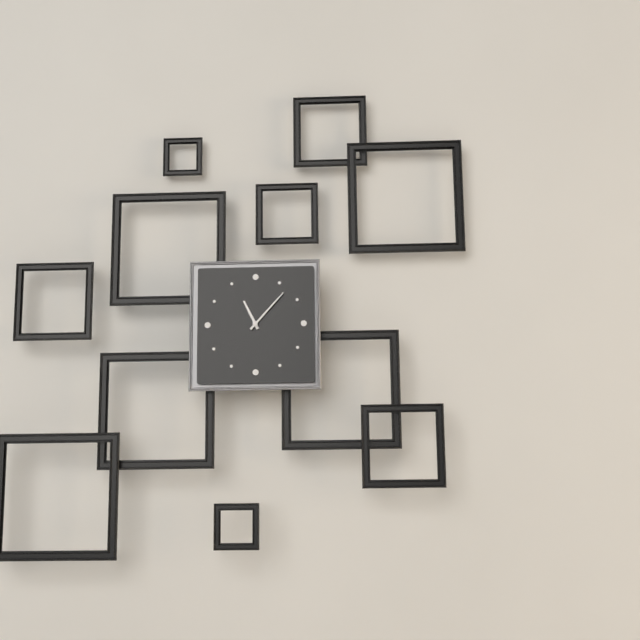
11.07
